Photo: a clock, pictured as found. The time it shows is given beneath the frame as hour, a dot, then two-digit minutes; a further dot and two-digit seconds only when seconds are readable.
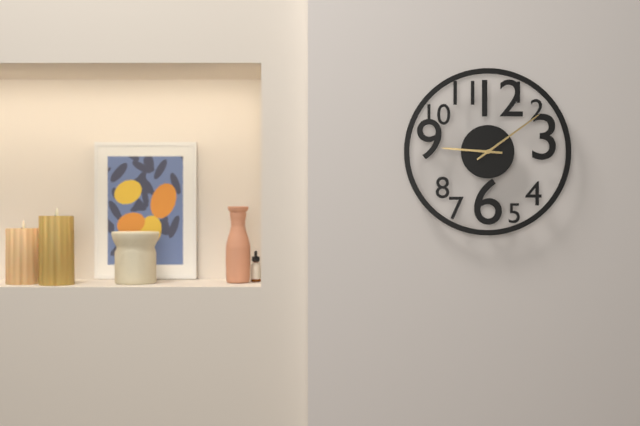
9.09
